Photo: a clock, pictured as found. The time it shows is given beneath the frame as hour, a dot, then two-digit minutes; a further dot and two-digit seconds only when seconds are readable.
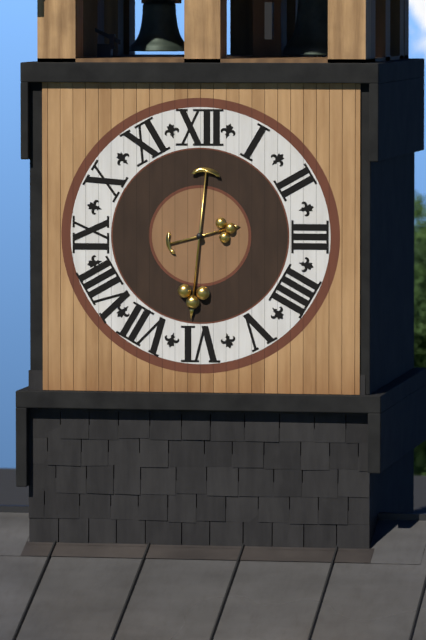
2.31
